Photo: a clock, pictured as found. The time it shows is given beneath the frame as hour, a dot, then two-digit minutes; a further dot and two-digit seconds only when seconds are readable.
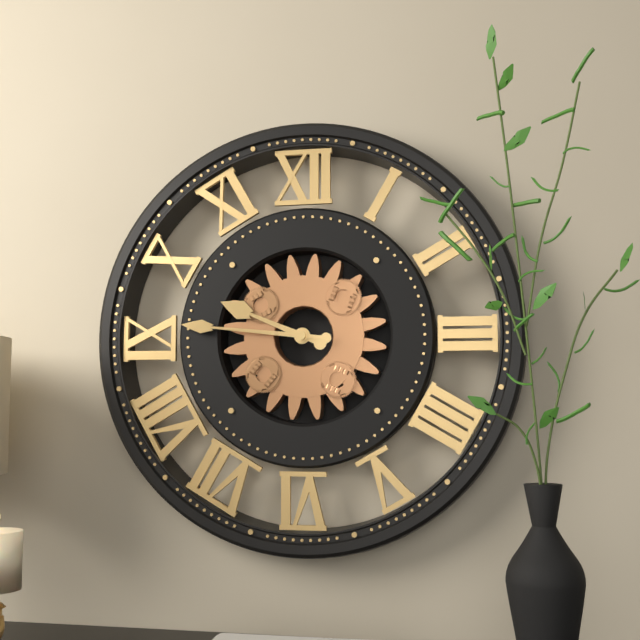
9.46
